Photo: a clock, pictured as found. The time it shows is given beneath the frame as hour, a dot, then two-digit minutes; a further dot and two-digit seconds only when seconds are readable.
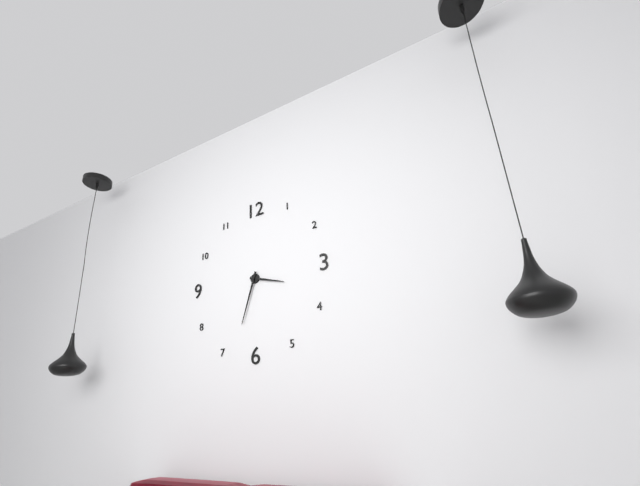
3.33
